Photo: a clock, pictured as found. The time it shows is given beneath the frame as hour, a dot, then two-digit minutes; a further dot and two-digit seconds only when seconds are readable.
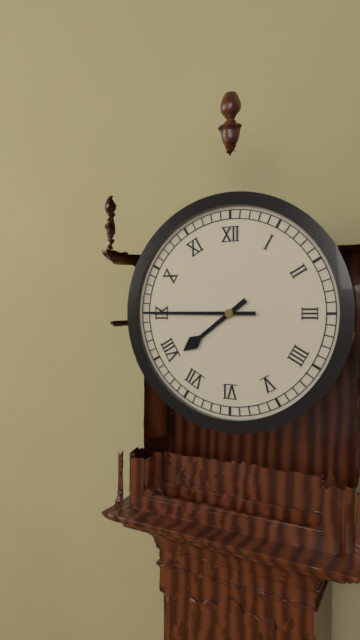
7.45
